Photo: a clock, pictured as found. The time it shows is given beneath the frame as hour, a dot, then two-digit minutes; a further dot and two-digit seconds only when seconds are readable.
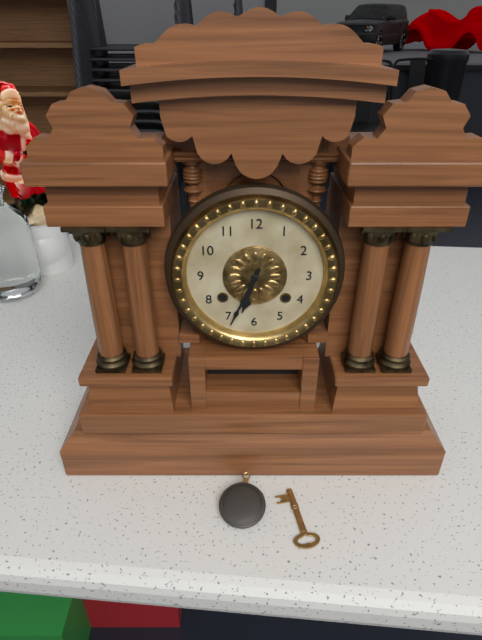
6.34
